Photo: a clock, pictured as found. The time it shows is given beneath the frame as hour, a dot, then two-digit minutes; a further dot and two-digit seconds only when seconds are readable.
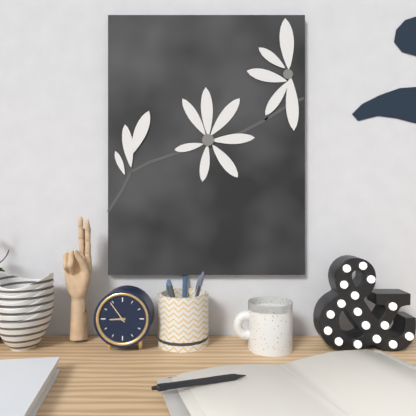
8.54
